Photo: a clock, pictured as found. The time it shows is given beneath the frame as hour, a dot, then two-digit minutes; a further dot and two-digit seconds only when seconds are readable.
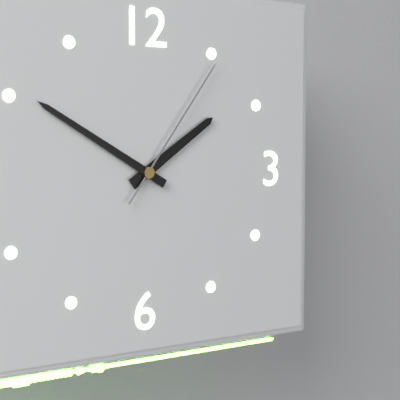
1.50.06
